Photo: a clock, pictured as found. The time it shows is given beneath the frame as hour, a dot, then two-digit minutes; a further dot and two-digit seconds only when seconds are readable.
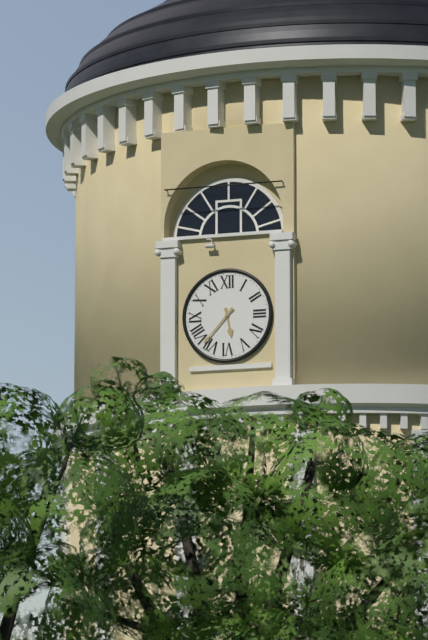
5.37
